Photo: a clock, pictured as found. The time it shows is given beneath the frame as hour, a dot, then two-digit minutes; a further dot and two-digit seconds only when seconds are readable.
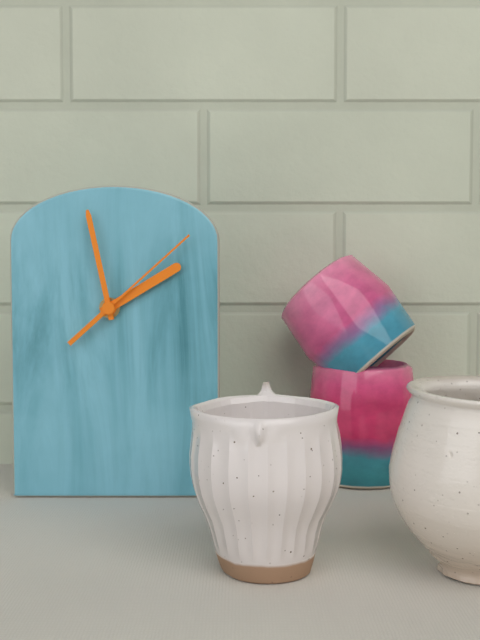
1.58.08
